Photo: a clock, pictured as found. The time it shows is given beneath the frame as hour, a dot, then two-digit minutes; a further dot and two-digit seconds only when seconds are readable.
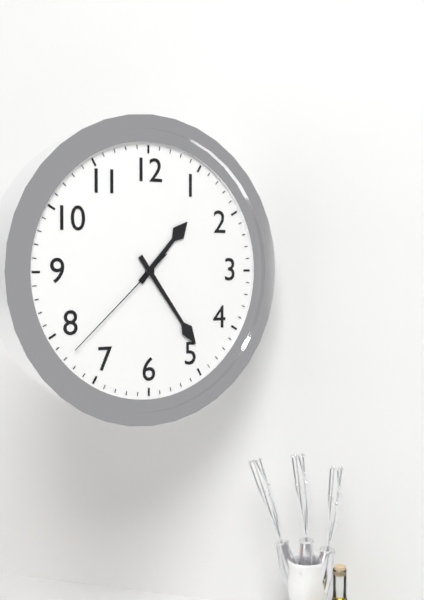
1.24.38
